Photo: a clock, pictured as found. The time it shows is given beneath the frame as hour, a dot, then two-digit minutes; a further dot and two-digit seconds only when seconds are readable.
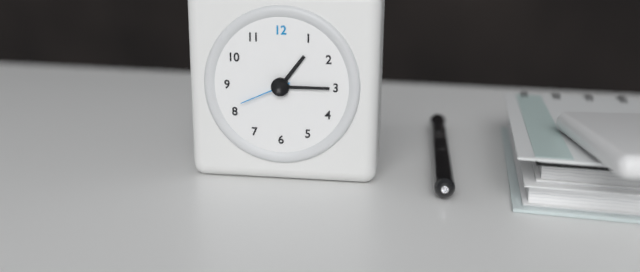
1.15.41
